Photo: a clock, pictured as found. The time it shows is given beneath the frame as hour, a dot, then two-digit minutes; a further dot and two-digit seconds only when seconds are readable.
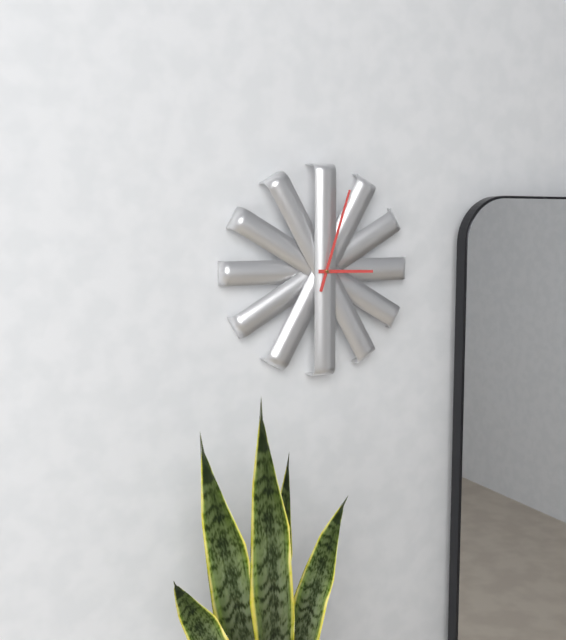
3.03
